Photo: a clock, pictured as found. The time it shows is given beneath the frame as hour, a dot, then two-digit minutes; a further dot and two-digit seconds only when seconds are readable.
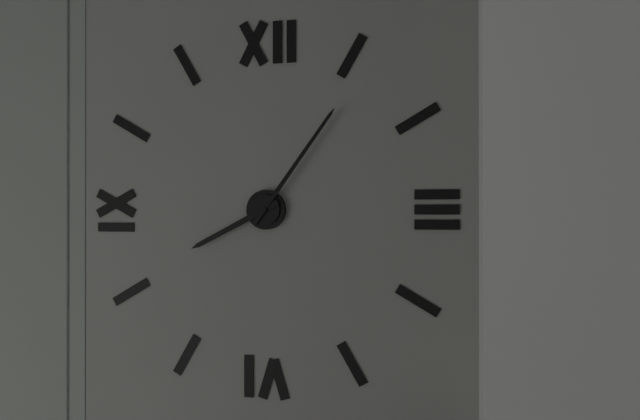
8.06
